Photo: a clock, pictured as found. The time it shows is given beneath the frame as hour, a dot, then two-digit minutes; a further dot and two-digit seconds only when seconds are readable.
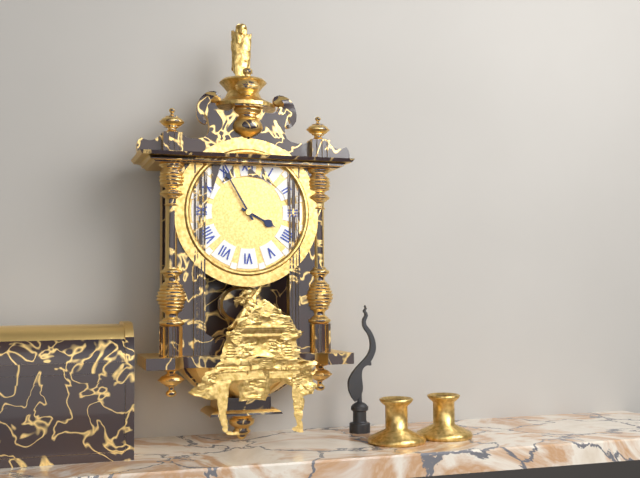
3.55
